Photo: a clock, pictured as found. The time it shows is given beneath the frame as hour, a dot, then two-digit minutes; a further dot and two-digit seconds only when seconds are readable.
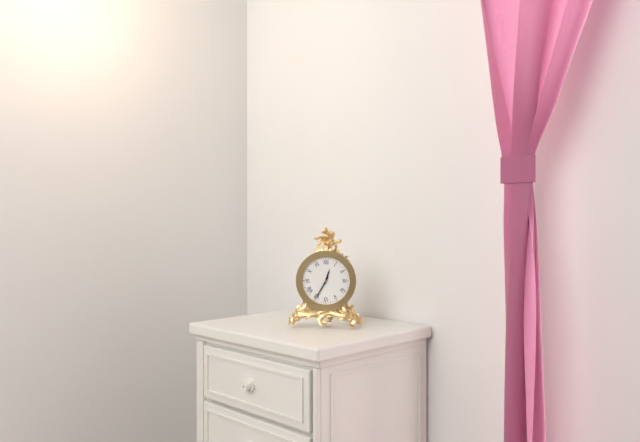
12.35
